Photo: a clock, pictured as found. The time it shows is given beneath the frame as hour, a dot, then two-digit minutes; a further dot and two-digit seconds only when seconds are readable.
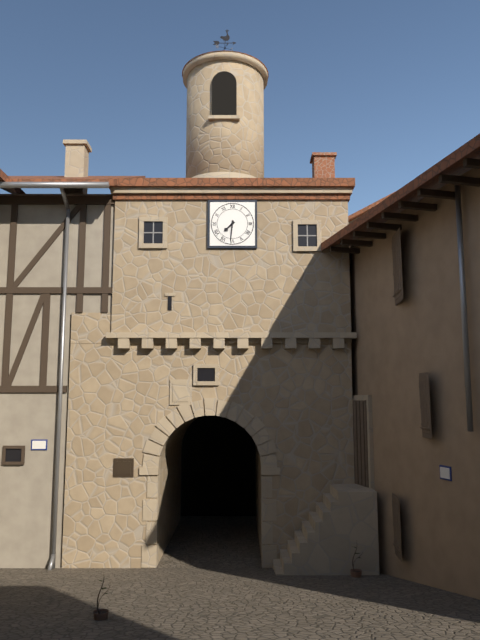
7.31
